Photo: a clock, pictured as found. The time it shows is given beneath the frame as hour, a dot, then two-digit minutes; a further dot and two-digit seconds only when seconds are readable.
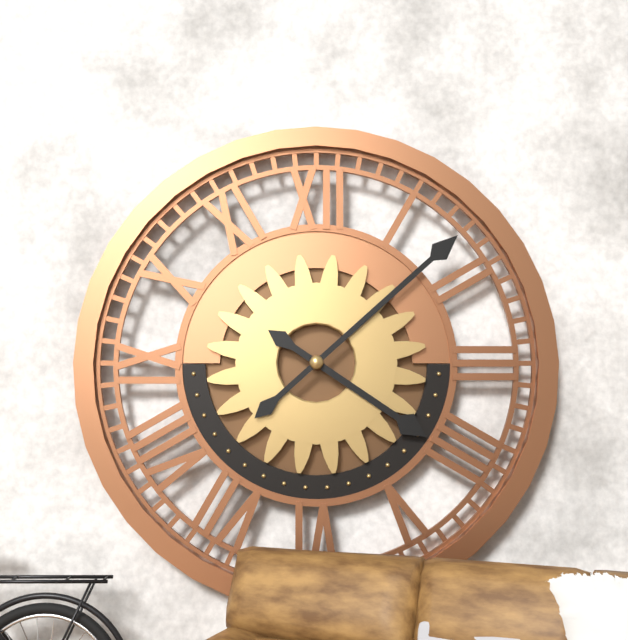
4.08
